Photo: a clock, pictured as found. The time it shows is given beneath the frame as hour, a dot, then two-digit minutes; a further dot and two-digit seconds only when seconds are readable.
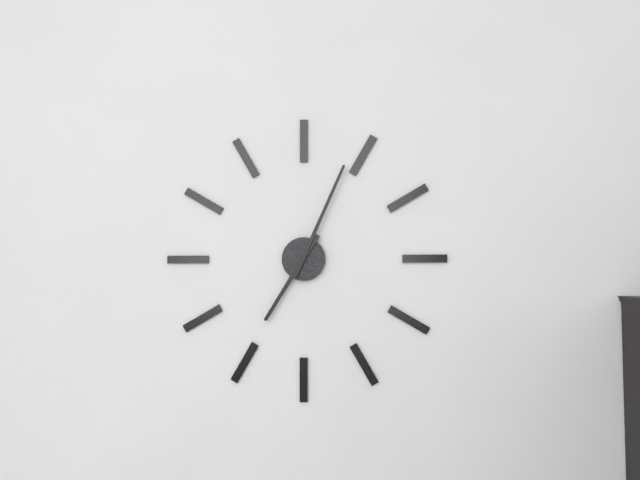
7.04
